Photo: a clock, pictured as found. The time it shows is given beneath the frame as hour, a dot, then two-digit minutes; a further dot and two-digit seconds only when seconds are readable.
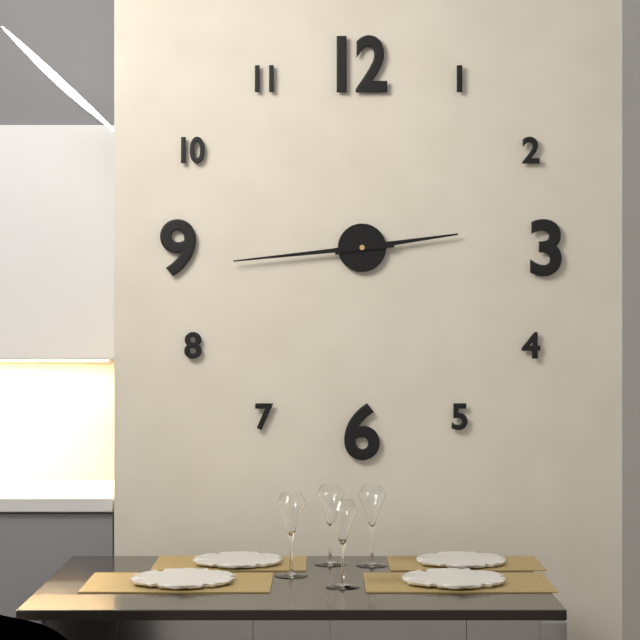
2.44
